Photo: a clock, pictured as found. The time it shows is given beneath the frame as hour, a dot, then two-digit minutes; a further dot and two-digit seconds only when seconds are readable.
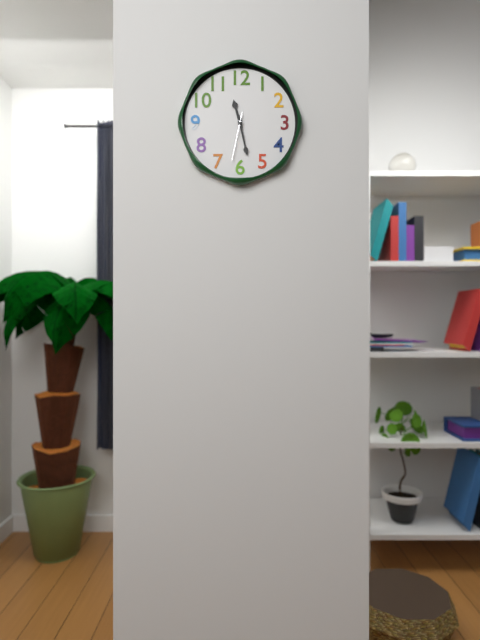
11.28
